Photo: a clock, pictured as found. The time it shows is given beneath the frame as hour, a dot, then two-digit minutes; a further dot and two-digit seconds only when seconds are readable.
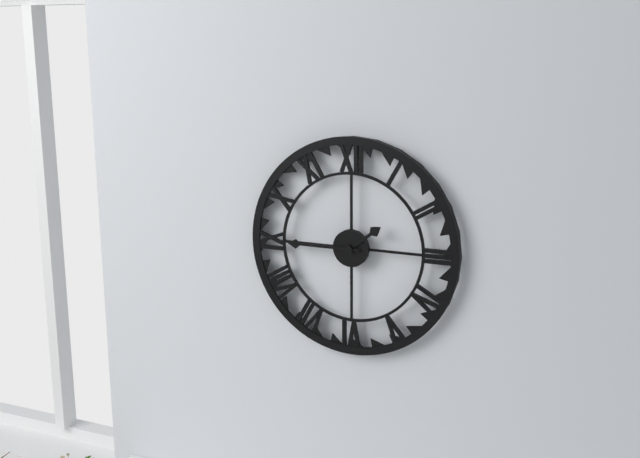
1.45
